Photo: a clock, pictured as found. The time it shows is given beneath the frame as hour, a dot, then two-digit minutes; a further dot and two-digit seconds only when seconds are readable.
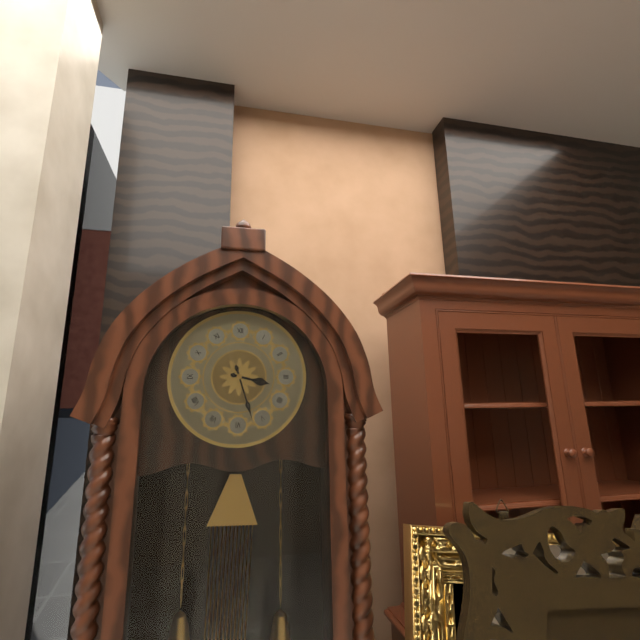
3.27
